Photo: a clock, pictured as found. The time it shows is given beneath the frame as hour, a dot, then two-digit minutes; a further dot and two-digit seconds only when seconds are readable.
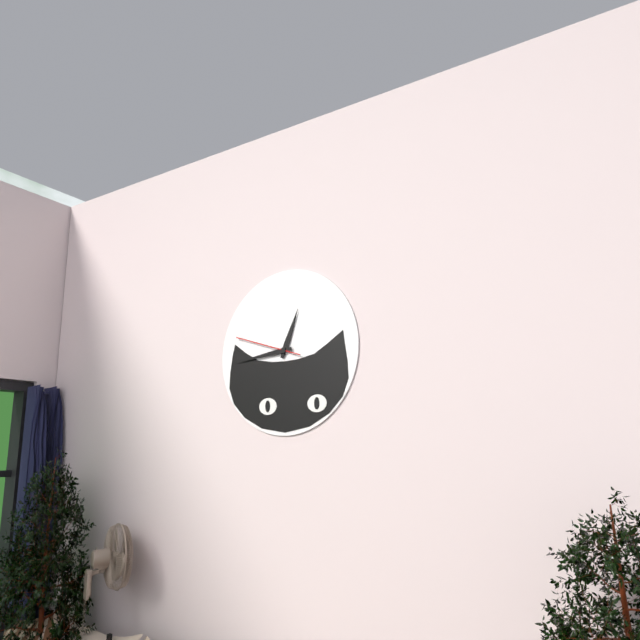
12.44.48
